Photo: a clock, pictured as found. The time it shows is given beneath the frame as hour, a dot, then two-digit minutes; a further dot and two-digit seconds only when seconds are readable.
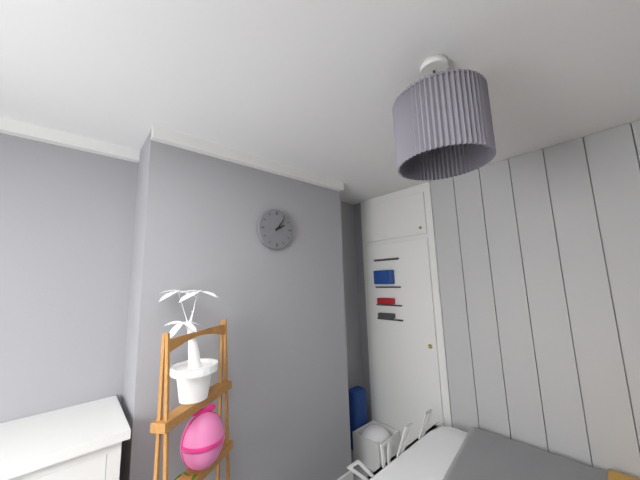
2.06
